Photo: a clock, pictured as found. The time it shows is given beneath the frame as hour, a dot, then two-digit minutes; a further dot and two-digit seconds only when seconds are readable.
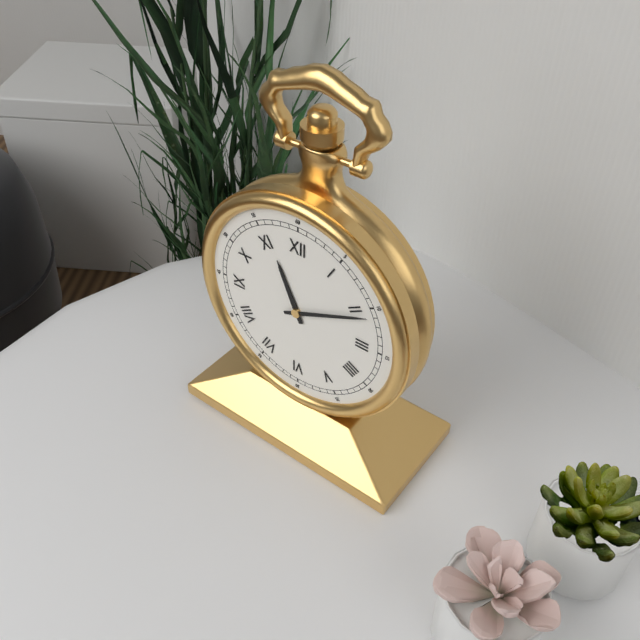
11.11
